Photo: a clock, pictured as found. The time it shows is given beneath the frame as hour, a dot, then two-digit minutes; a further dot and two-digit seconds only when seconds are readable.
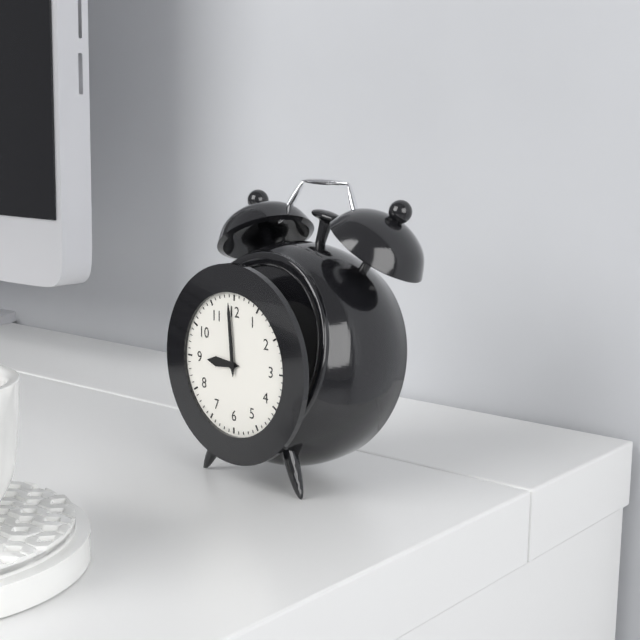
8.59
